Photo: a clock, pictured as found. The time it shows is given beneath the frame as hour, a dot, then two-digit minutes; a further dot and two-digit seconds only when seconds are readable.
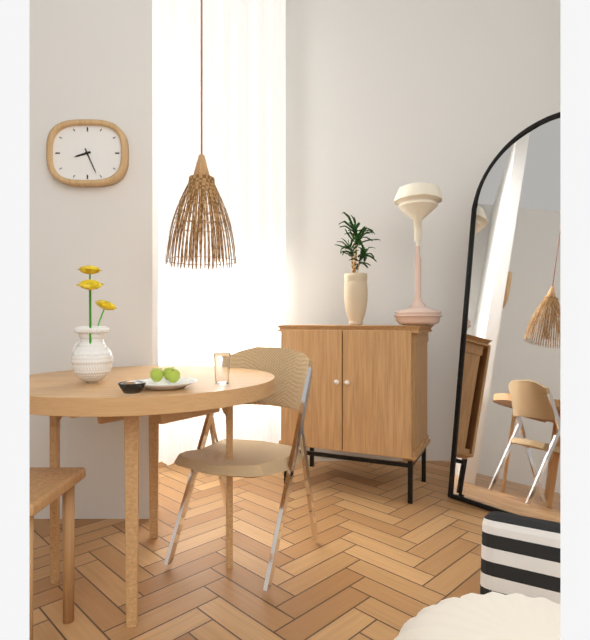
8.26
